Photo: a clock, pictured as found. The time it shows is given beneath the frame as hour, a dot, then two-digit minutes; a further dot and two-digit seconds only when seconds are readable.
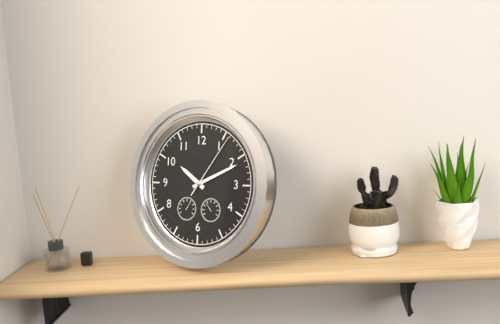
10.11.06
